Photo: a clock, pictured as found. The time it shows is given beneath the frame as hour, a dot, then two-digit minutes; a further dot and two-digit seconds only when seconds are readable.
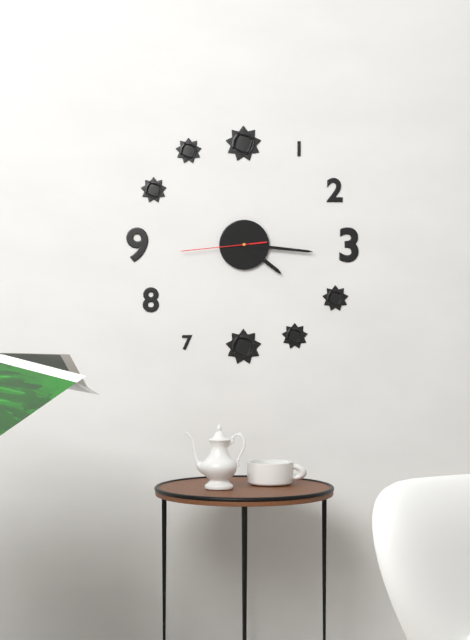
4.16.44
